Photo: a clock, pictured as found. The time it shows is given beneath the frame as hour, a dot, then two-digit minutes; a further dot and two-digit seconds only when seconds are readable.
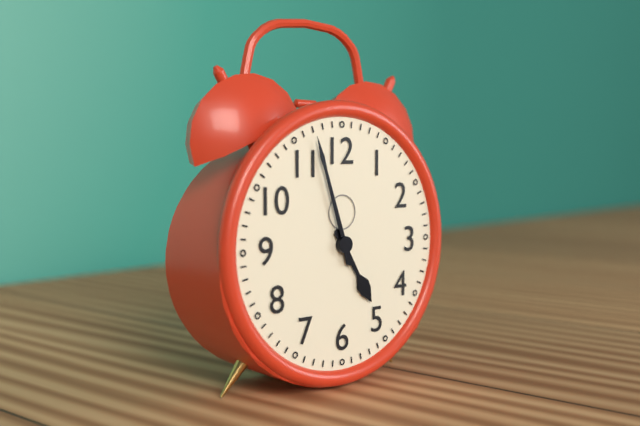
4.57
